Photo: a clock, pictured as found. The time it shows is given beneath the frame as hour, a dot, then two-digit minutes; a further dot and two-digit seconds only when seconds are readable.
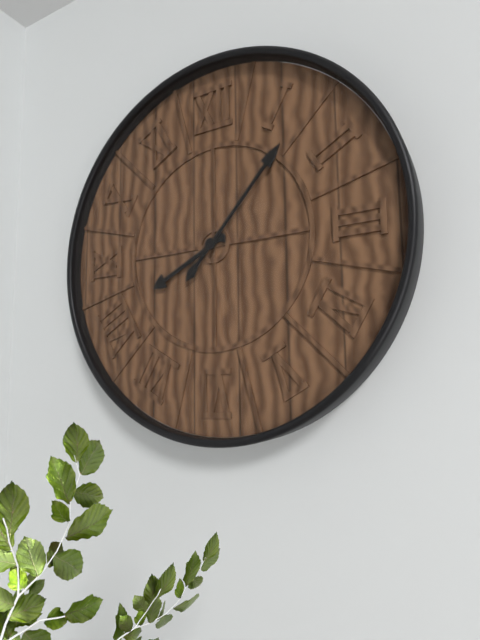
8.07
